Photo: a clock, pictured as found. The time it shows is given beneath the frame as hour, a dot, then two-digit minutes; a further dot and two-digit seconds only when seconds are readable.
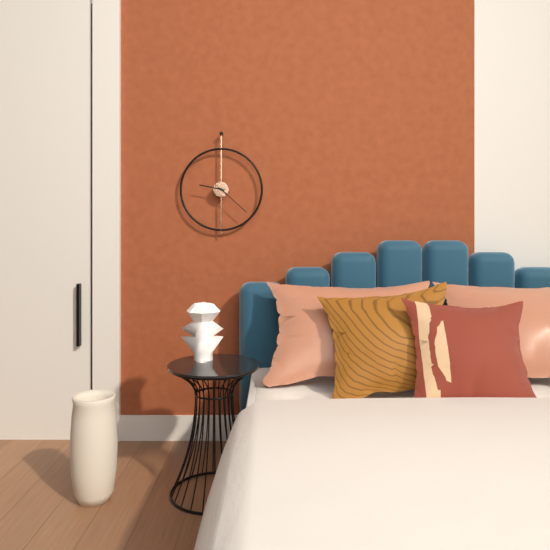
9.22
